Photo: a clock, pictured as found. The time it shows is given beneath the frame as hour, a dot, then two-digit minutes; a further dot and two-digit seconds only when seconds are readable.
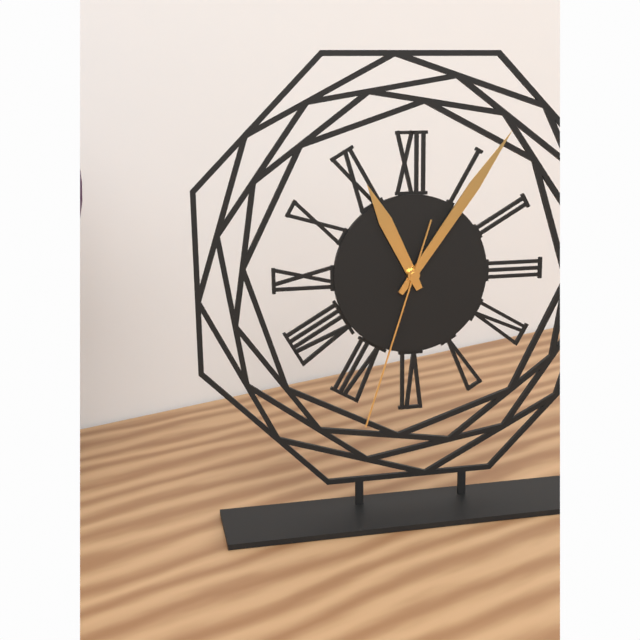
11.06.33
